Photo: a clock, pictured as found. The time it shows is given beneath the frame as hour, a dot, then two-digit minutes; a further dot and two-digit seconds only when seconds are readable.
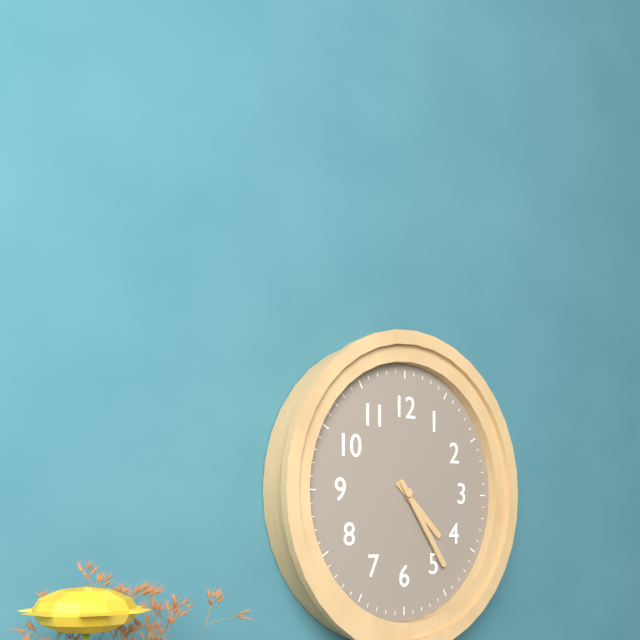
4.24
